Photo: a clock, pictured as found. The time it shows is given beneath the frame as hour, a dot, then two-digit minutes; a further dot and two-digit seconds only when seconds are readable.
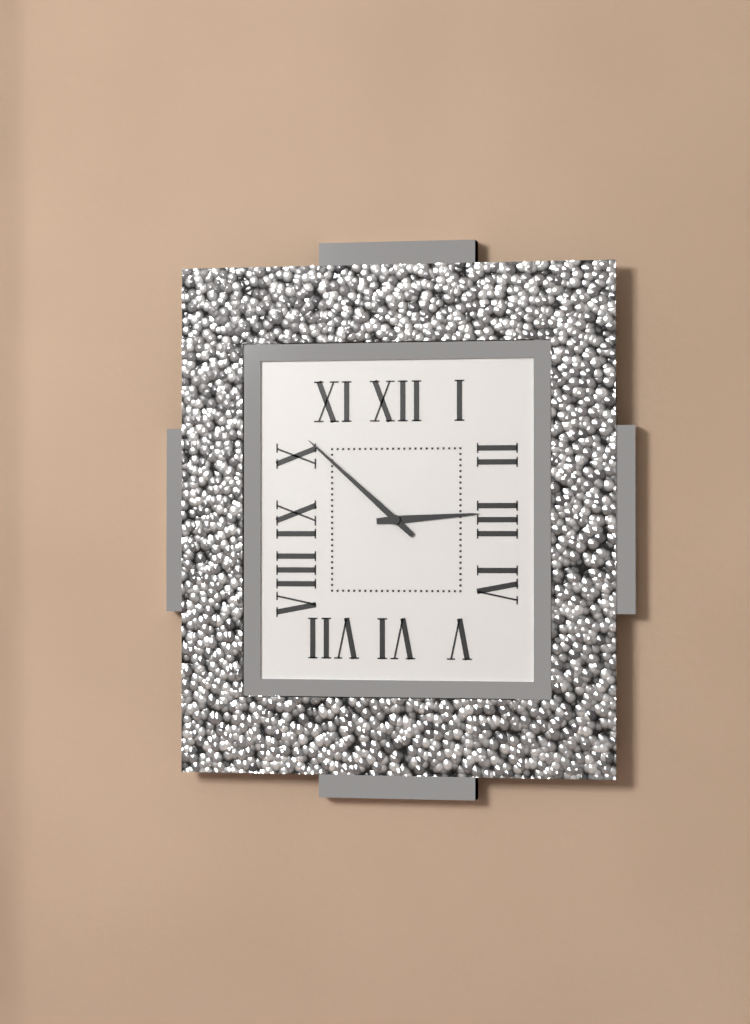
2.52
